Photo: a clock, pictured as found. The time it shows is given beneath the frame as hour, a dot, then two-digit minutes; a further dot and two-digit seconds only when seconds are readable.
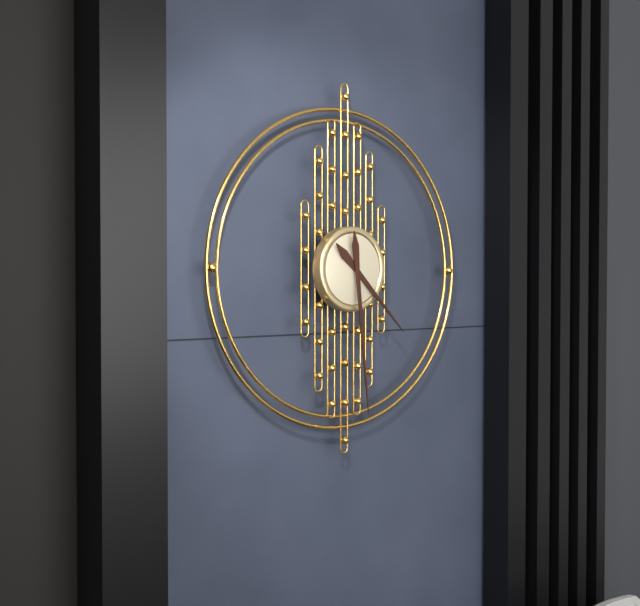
4.29
